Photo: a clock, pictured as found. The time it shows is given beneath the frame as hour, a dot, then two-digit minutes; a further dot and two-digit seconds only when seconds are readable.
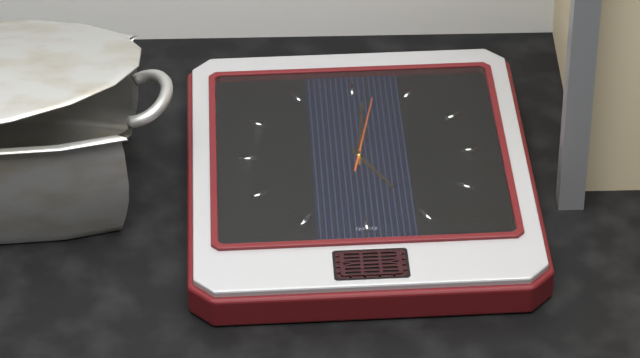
5.01.02
